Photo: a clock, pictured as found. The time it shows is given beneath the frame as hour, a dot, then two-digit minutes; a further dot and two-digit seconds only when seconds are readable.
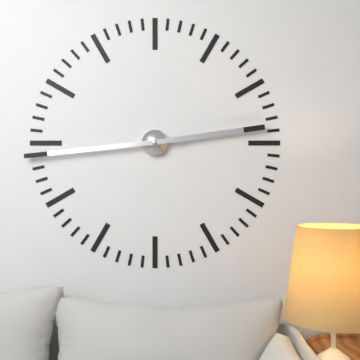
2.44
